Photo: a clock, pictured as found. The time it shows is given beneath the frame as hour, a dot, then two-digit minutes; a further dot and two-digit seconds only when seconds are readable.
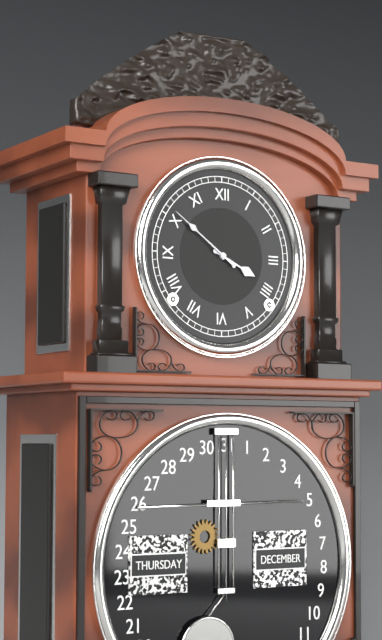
3.51
